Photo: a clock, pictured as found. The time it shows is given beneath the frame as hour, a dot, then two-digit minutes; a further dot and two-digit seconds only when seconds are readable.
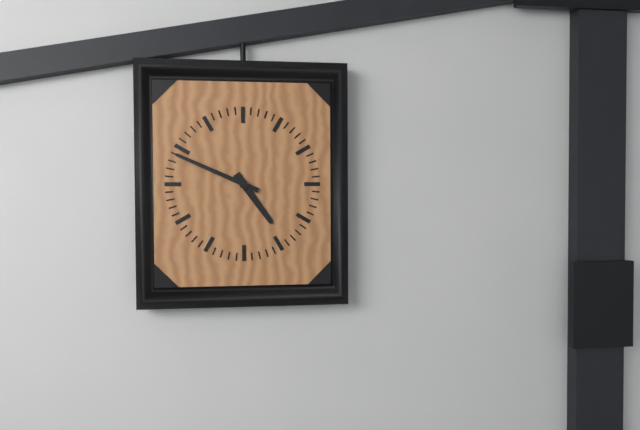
4.49
